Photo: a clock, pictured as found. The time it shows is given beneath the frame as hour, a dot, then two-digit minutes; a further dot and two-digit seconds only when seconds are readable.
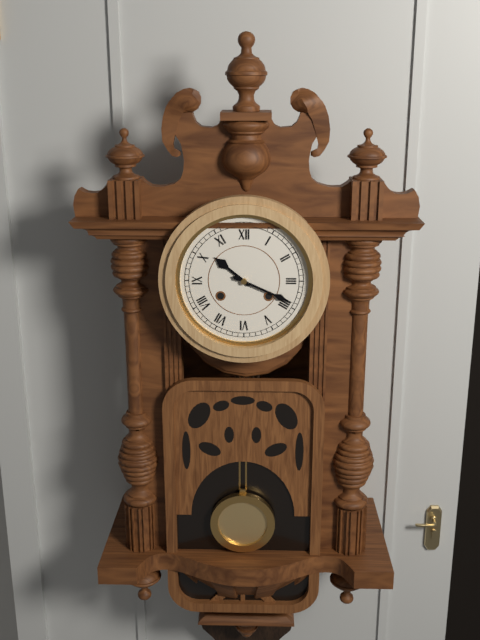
10.19
